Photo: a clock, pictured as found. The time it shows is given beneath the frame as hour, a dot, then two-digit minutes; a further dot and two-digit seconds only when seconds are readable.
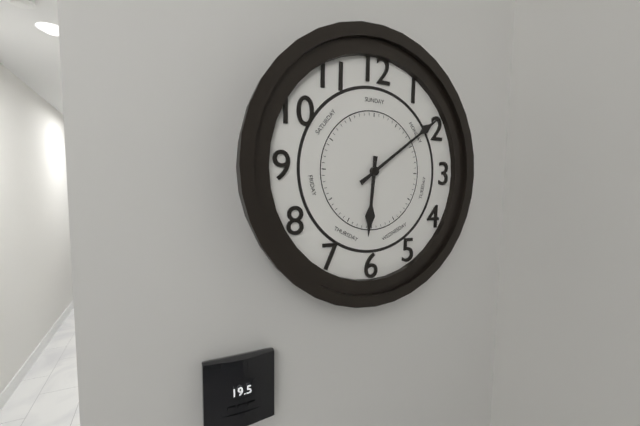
6.09
